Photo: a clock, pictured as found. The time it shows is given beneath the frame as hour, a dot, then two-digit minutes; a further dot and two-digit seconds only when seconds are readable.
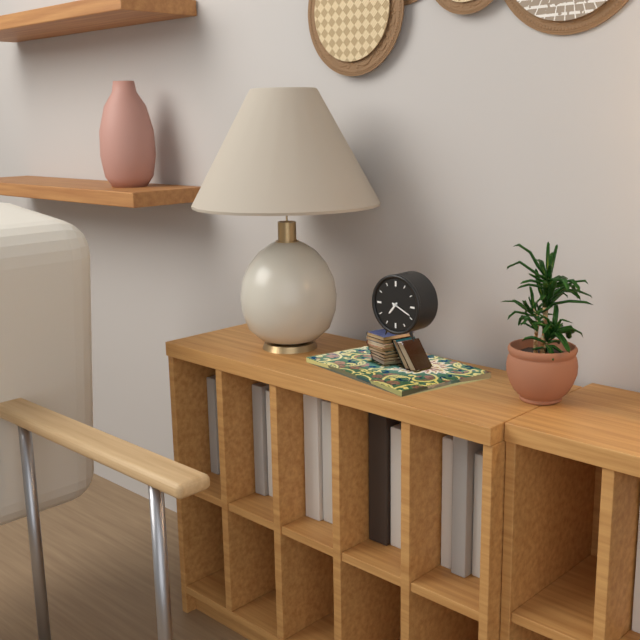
7.19
